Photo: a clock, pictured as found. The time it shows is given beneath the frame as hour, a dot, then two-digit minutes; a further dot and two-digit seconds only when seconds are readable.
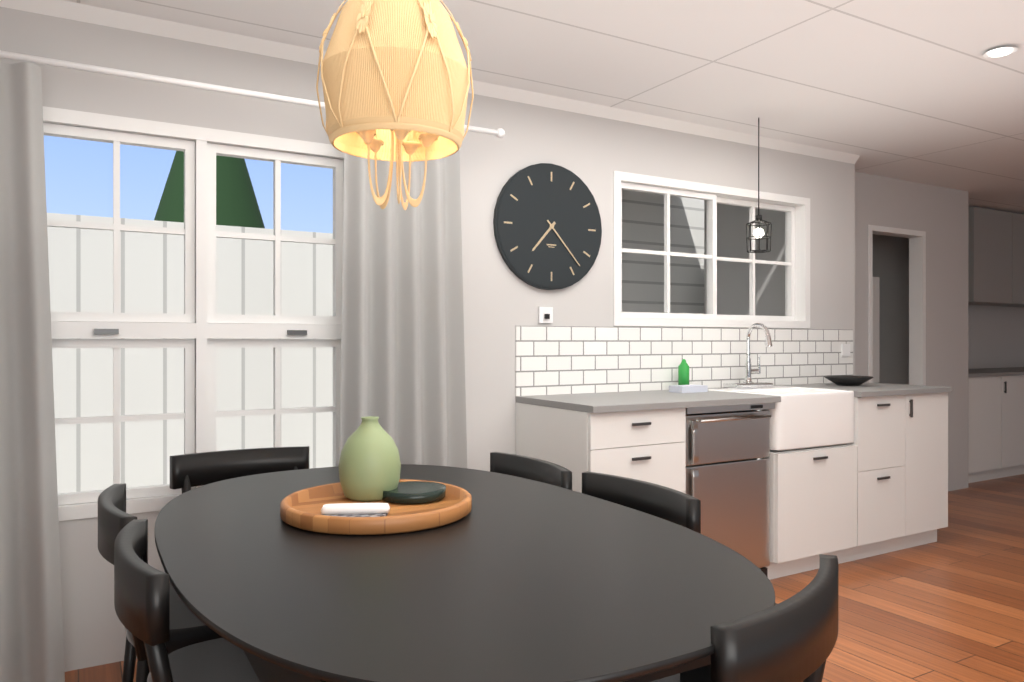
7.23
